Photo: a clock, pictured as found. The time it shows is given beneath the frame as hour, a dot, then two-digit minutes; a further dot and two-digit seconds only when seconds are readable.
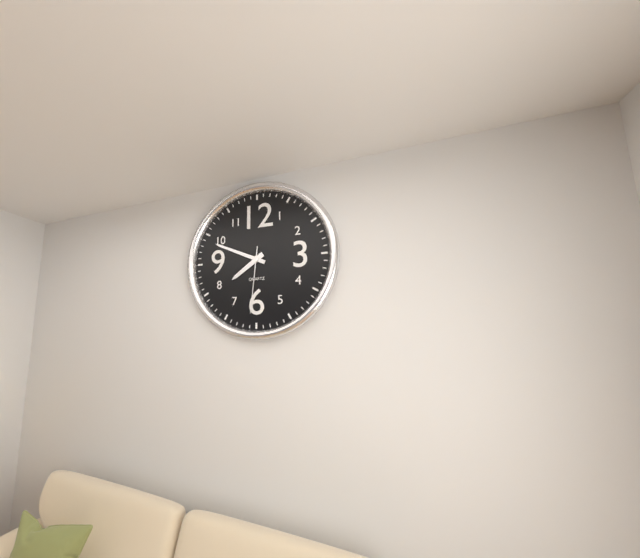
7.49.31
